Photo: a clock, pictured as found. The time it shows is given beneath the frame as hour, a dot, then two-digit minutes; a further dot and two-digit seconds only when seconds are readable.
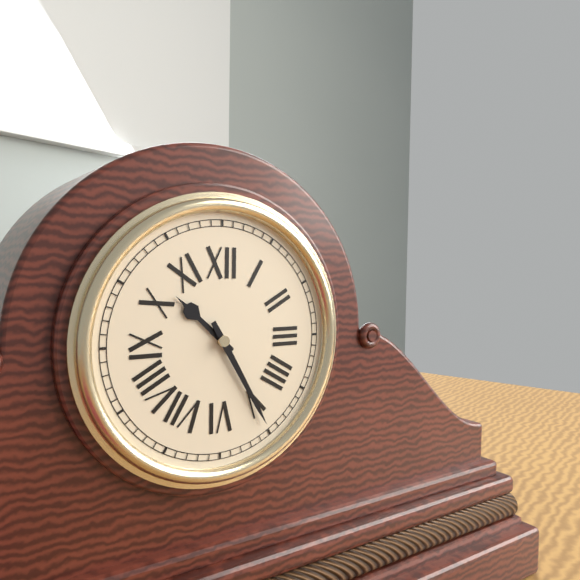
10.25
